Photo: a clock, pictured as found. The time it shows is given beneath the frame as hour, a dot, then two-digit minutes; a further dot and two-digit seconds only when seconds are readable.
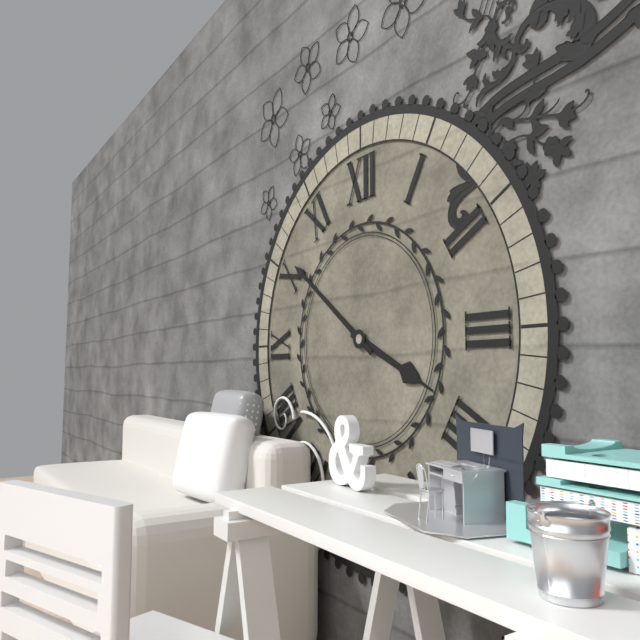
3.51
